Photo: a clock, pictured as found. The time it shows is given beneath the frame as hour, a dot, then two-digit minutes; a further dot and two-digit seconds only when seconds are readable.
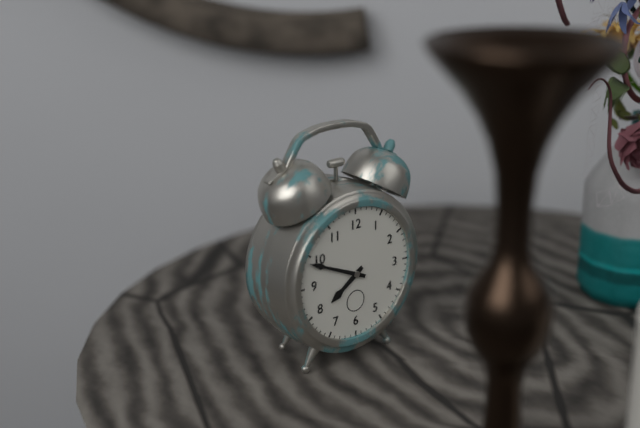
7.49
